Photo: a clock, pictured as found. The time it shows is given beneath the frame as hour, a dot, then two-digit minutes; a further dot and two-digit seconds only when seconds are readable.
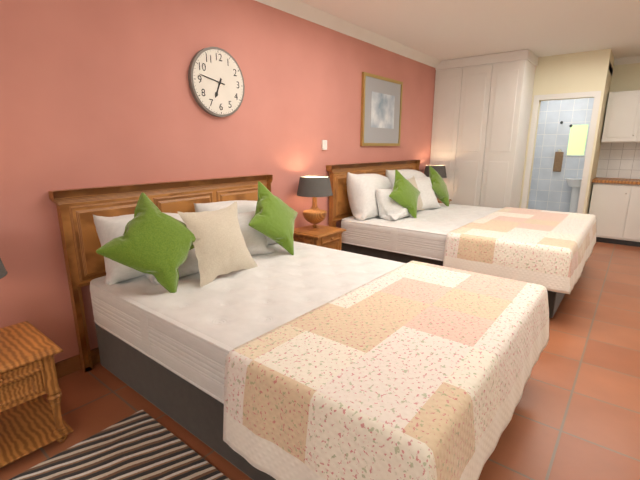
6.47
